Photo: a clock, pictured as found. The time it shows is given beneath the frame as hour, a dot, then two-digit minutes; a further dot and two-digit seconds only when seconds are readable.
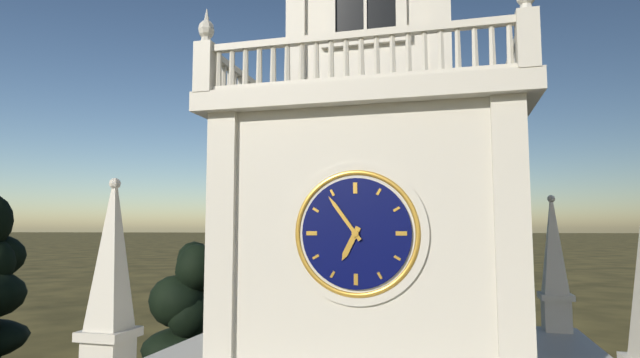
6.54
